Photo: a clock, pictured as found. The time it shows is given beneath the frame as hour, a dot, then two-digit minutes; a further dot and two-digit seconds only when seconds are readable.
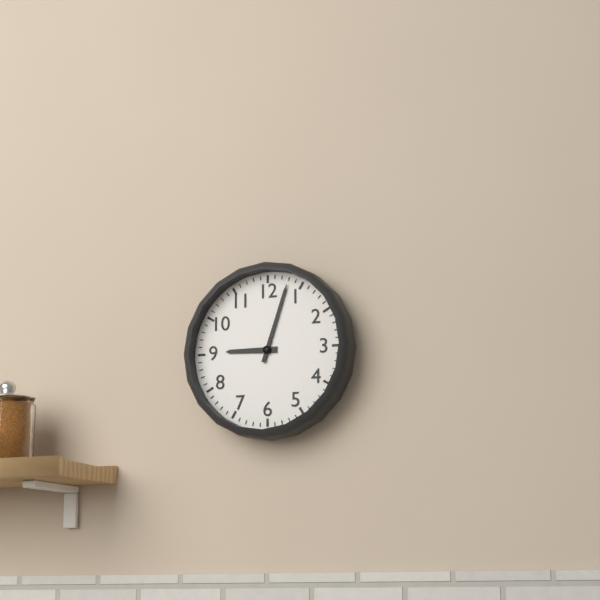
9.03
